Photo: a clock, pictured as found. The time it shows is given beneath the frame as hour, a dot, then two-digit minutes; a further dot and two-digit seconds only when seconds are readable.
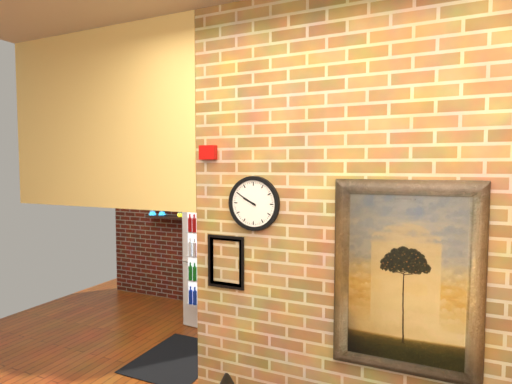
9.50
